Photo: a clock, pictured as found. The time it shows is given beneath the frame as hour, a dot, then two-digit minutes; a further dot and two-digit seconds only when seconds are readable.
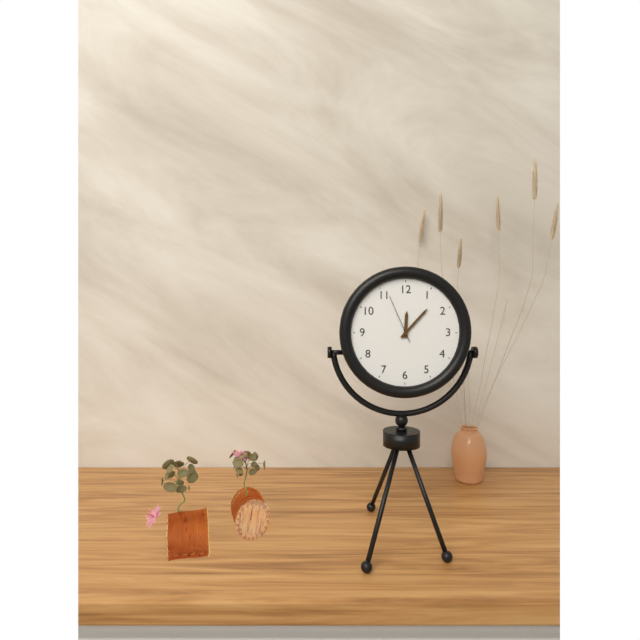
12.07
